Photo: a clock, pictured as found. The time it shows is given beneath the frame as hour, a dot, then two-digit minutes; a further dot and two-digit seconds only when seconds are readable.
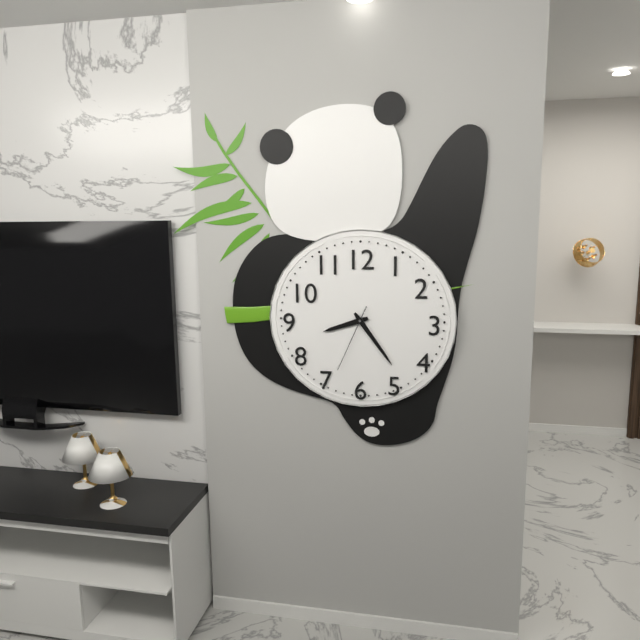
8.24.34
